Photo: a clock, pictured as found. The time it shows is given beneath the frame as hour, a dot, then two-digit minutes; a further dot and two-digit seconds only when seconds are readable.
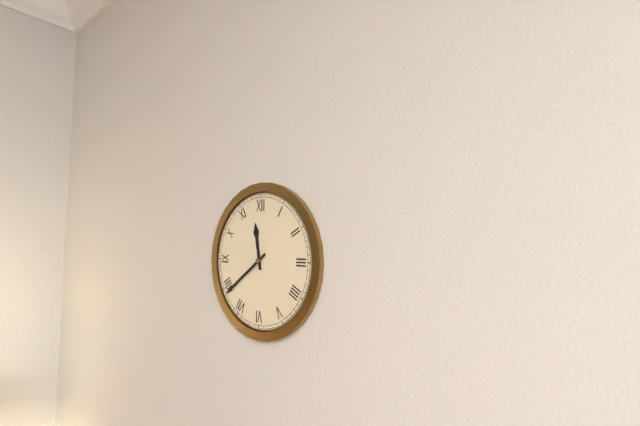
11.39
